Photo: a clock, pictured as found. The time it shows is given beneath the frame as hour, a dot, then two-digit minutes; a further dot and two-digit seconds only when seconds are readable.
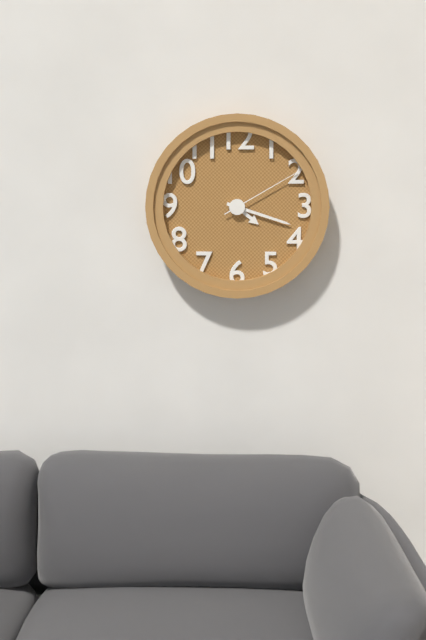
4.18.10
